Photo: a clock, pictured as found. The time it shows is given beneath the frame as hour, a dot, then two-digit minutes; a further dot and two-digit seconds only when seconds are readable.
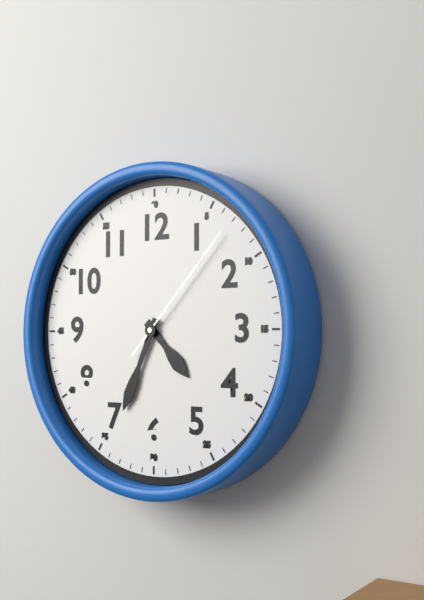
4.34.07
